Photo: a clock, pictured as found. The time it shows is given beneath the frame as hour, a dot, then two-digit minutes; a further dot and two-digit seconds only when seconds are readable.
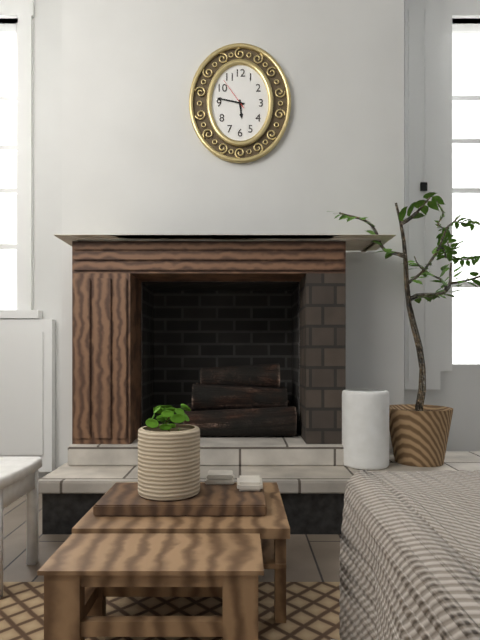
5.47
